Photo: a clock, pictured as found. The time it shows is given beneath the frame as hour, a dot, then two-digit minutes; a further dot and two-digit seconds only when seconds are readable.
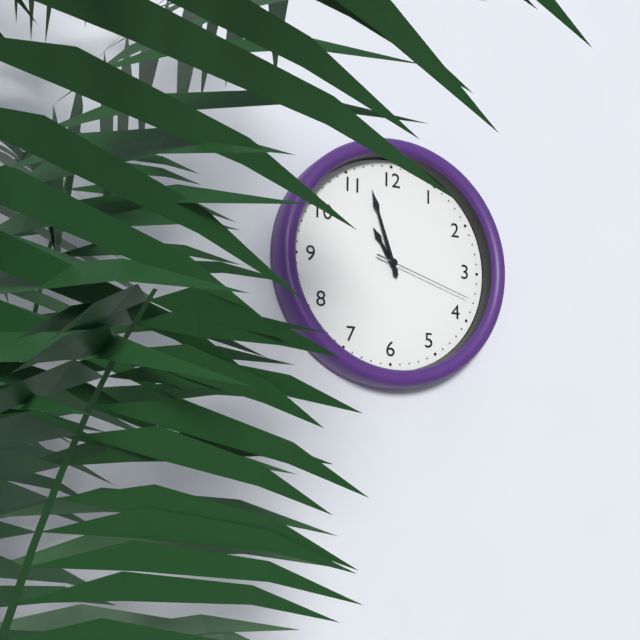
10.57.18
